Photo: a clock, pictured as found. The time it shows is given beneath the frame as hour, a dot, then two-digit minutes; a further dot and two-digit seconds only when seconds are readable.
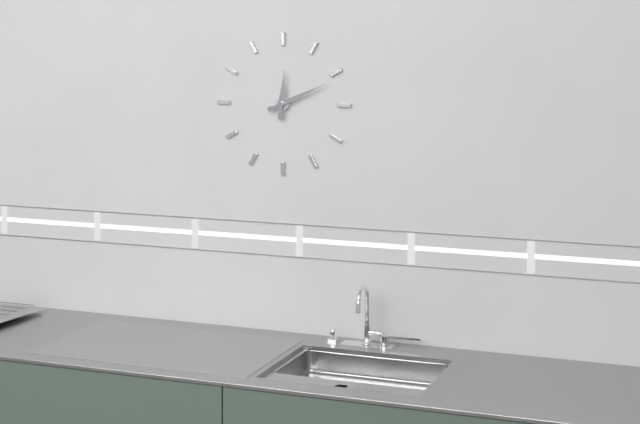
12.11
